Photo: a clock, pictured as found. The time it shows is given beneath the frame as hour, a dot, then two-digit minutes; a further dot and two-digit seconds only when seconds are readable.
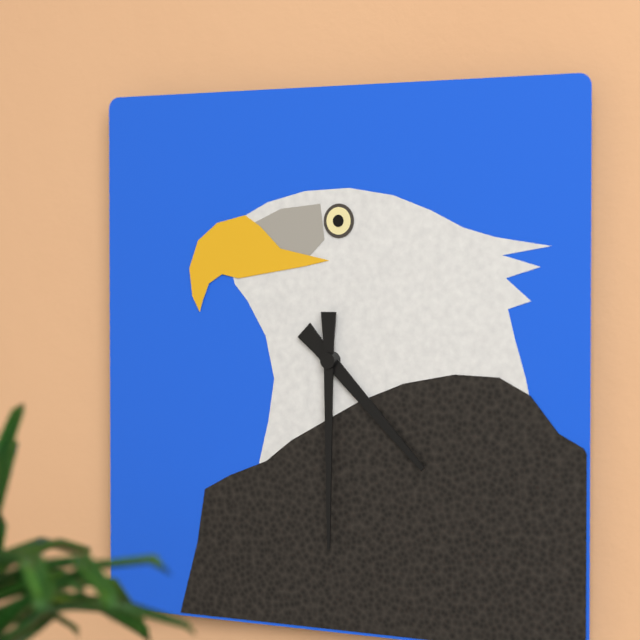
4.30
